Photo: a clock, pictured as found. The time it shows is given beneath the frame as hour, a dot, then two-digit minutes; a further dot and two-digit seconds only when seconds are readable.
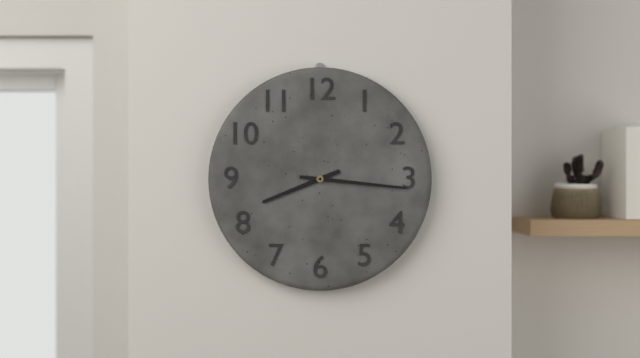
8.16
